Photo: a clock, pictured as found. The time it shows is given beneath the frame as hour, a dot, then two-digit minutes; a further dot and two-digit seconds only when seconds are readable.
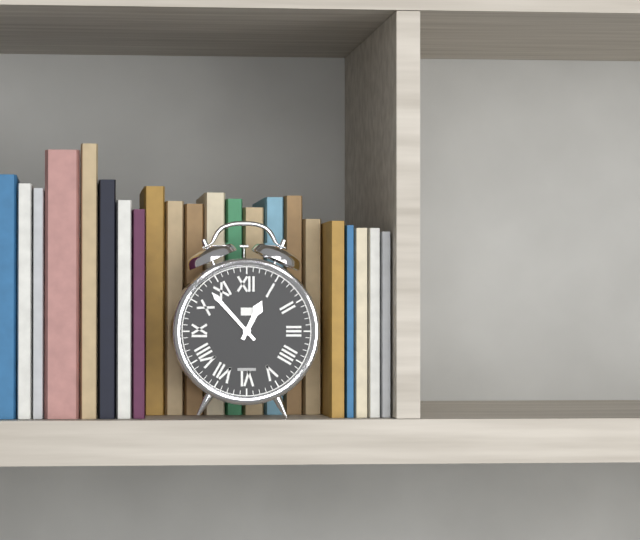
12.53
